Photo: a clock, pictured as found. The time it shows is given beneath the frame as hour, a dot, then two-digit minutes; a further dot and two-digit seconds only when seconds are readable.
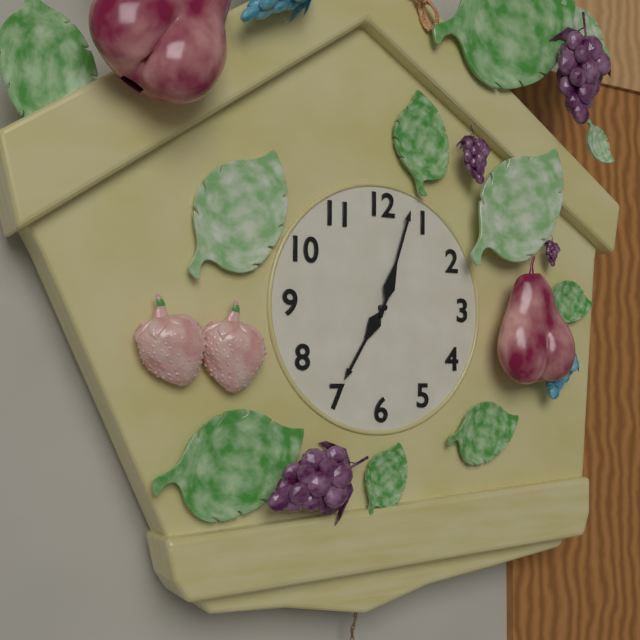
7.03
